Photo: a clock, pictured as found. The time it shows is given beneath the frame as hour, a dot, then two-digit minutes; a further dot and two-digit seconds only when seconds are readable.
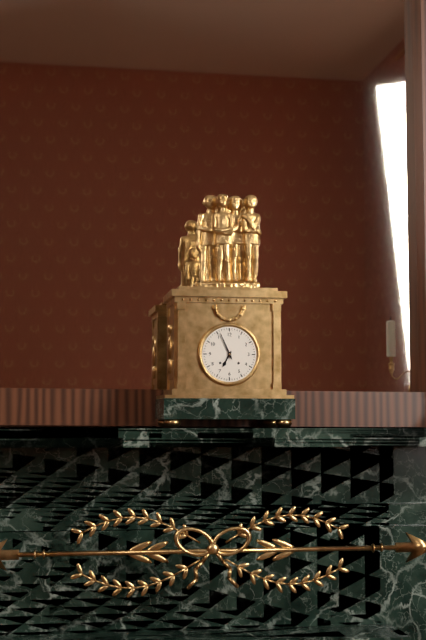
6.56
